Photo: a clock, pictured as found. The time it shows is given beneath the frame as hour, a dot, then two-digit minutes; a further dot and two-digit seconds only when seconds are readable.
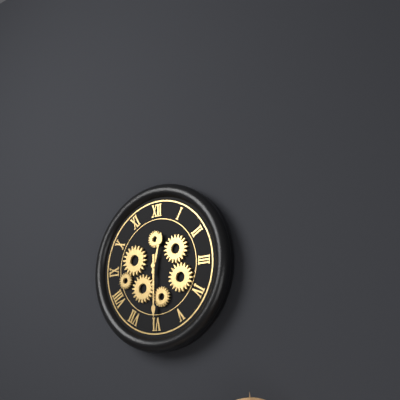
12.30
